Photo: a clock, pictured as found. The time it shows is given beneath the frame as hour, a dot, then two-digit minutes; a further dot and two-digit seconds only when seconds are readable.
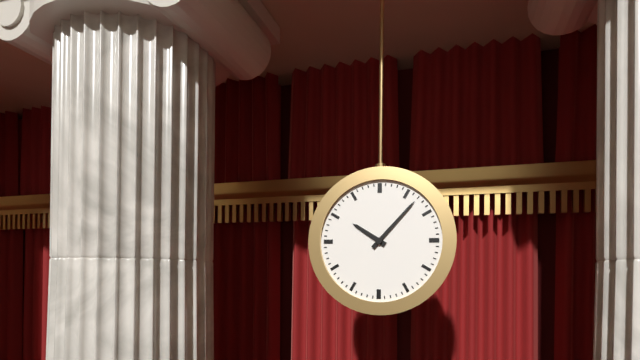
10.07
